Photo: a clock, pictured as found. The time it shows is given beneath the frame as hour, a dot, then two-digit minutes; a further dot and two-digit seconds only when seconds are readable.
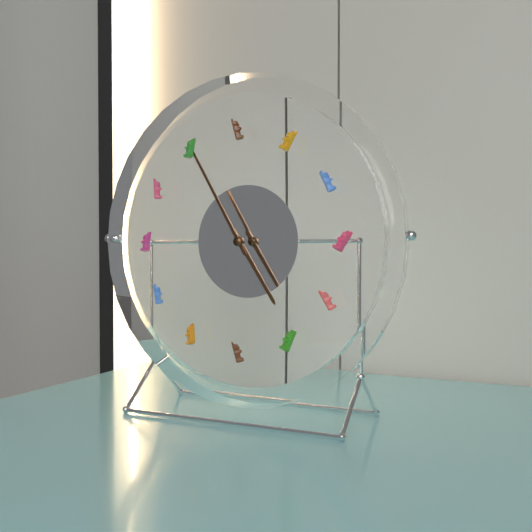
4.55
